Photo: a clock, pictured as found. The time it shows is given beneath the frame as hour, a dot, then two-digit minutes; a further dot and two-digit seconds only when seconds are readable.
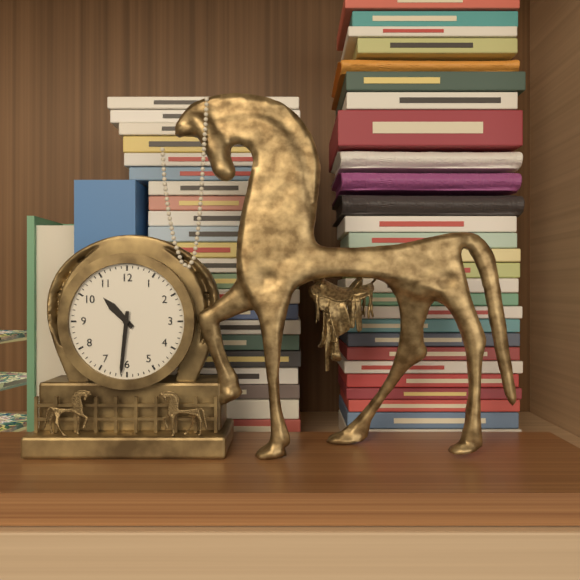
10.31
